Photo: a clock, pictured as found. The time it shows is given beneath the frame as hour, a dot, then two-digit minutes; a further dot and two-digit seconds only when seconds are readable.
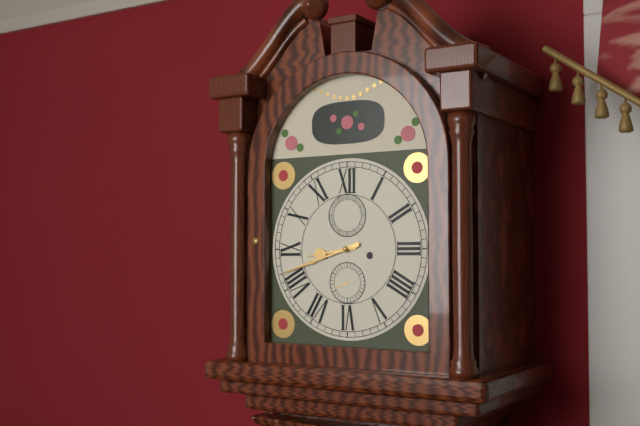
8.42
